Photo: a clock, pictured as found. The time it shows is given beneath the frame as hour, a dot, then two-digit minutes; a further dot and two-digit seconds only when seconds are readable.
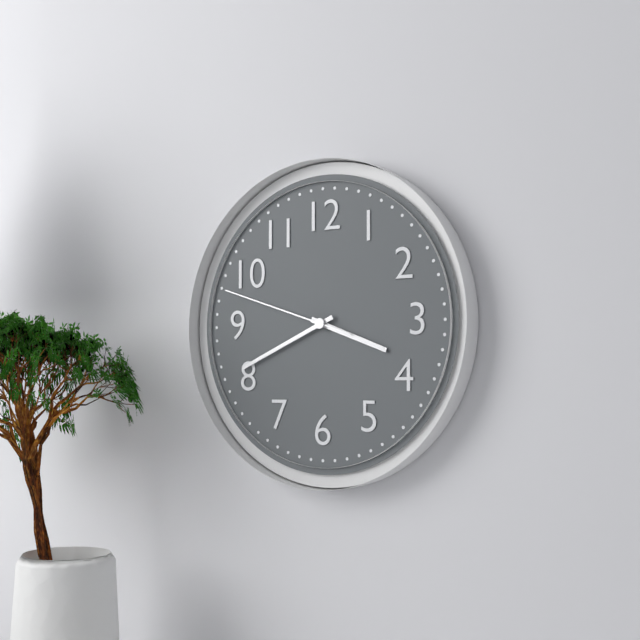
3.41.48
